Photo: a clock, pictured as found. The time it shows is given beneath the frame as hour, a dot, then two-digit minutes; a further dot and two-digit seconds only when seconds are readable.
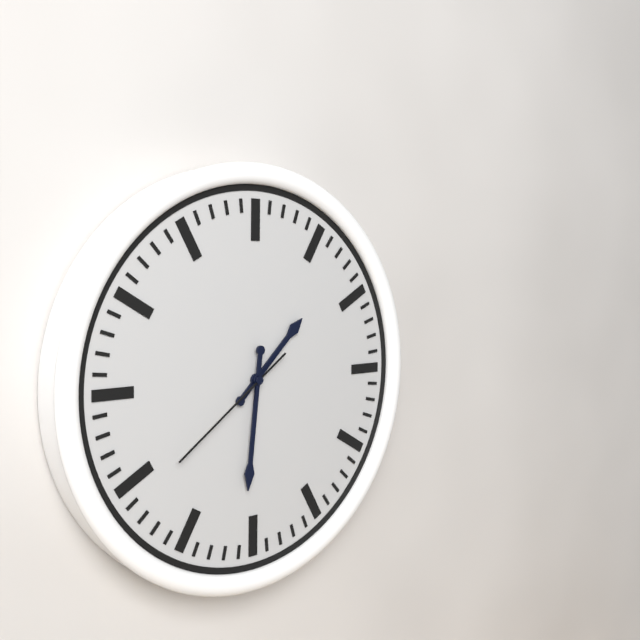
1.31.39
